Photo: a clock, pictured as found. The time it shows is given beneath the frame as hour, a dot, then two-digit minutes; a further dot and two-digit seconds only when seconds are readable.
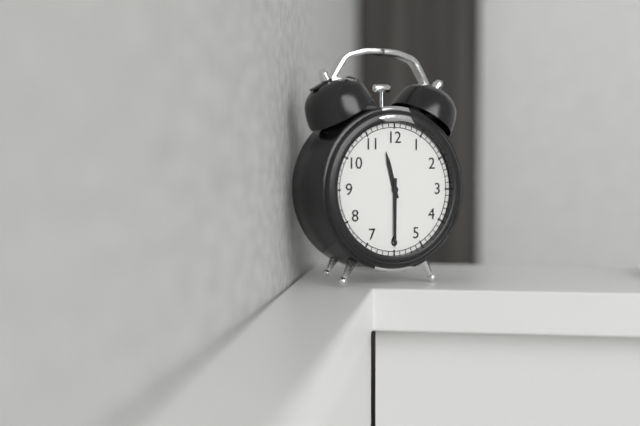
11.30
